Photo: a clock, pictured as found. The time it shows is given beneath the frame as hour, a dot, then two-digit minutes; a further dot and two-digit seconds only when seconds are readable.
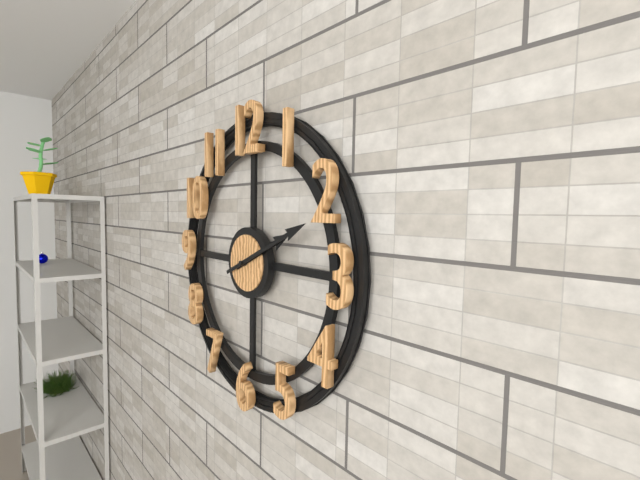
2.11
